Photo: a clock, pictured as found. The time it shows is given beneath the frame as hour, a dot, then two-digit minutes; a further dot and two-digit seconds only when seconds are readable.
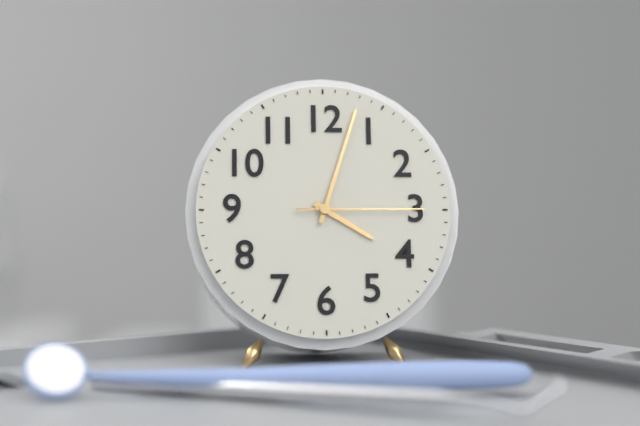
4.03.15
